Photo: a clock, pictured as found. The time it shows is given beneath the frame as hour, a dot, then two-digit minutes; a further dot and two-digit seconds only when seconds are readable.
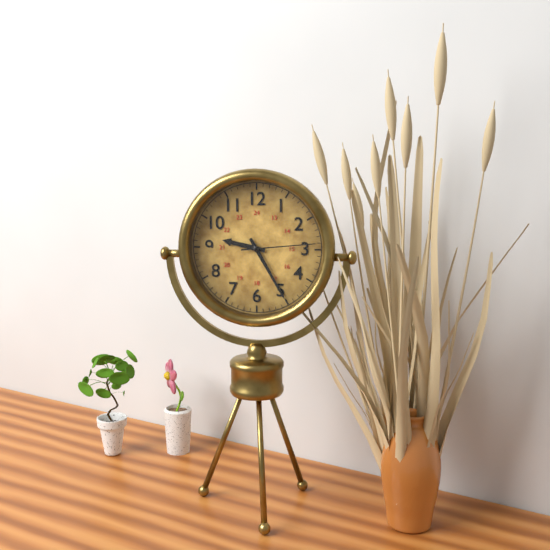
9.25.14
